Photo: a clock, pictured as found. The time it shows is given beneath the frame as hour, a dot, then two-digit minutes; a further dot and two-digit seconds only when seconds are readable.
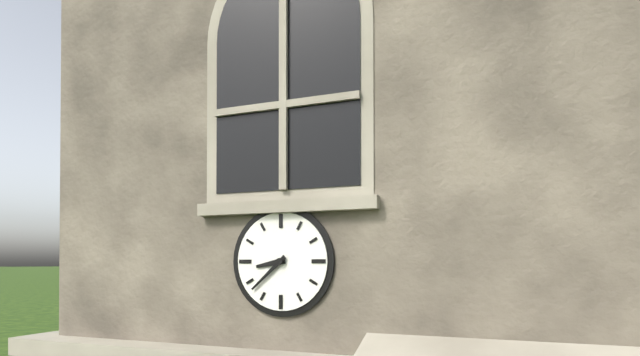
8.38
